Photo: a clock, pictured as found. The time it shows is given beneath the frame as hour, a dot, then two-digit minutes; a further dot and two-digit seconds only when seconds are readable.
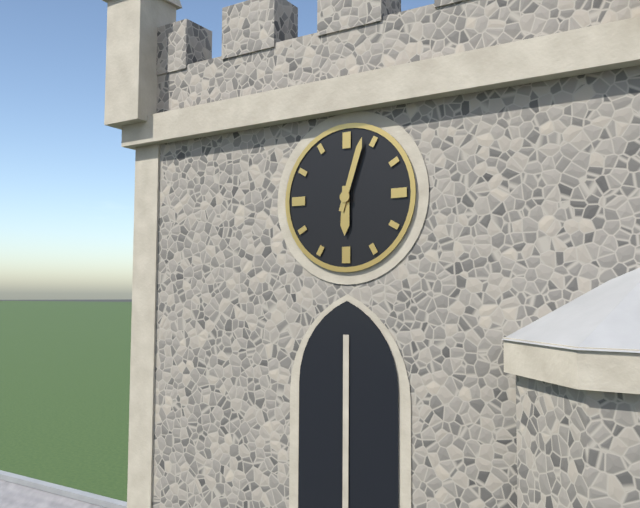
6.03
